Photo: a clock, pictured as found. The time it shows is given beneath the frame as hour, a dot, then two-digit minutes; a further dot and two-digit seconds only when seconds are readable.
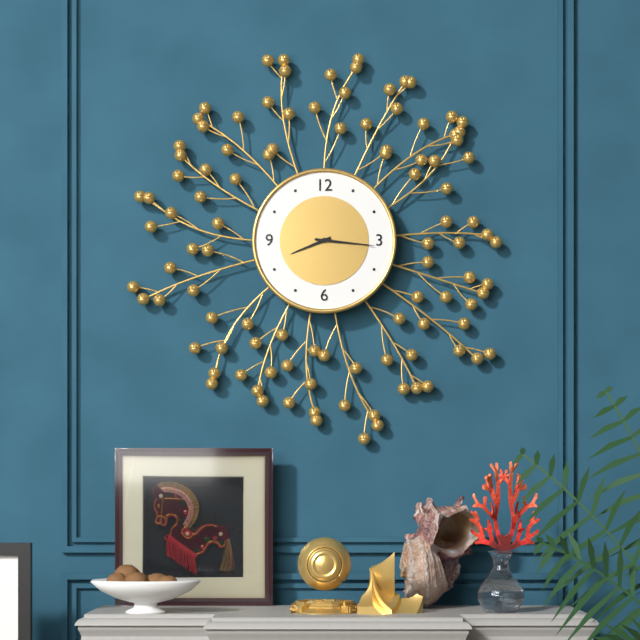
8.16
